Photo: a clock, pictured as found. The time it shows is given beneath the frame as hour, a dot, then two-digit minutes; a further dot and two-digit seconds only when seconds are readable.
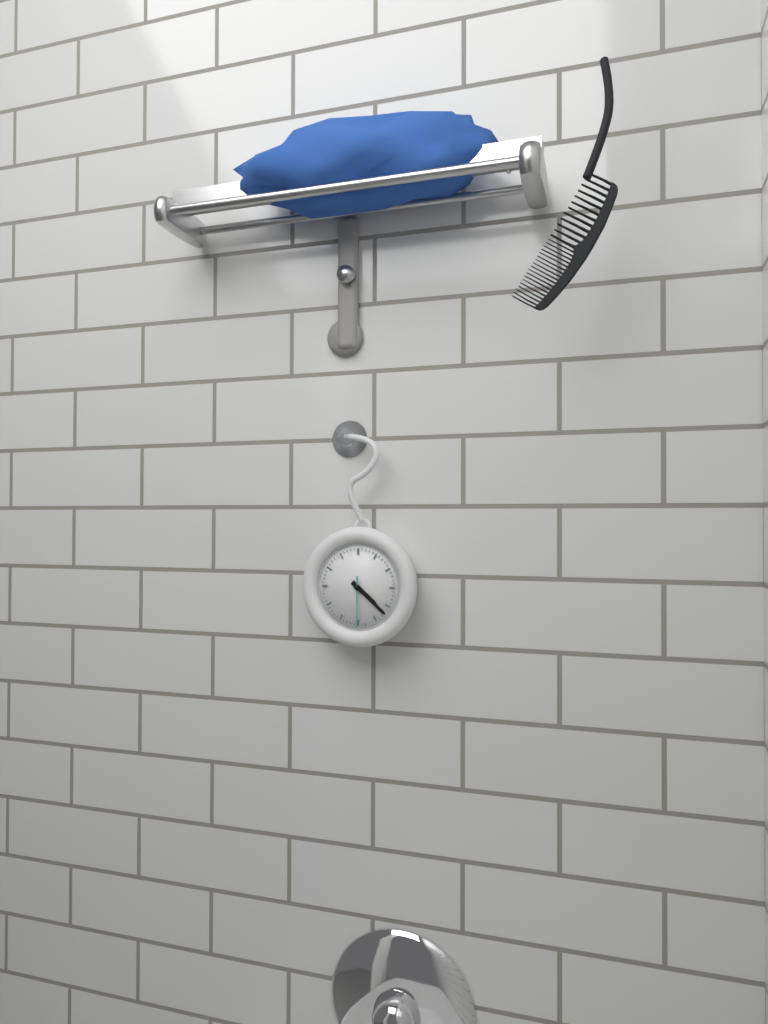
4.22.30
